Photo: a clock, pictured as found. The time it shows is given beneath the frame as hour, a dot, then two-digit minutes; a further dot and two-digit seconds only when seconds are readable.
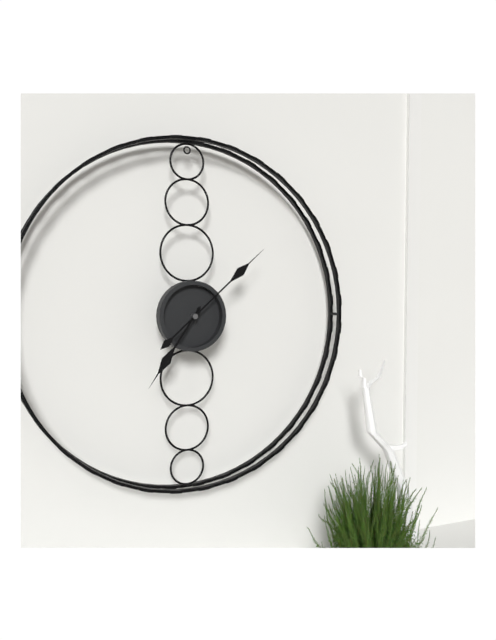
7.08
